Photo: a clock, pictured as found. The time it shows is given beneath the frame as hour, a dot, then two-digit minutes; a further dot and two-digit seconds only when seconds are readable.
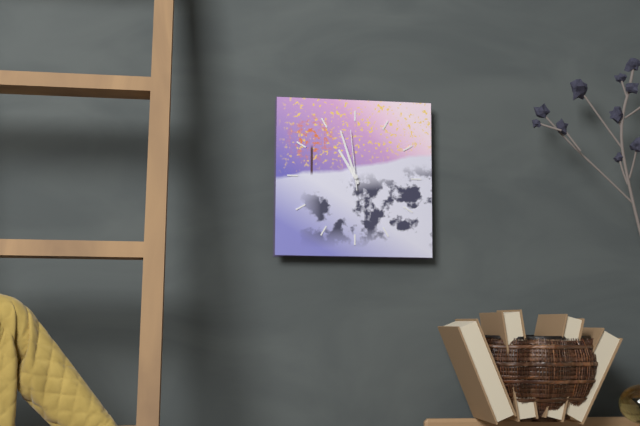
10.57.59
